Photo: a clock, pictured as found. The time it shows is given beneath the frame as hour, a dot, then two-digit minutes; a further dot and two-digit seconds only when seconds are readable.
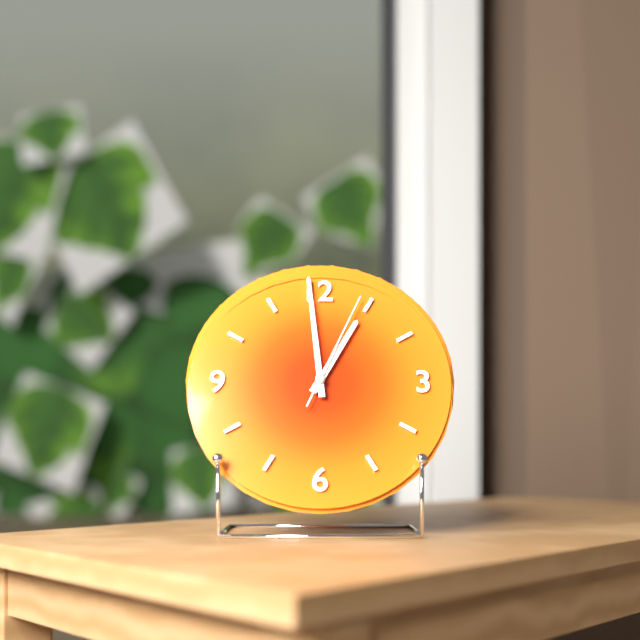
12.59.04
